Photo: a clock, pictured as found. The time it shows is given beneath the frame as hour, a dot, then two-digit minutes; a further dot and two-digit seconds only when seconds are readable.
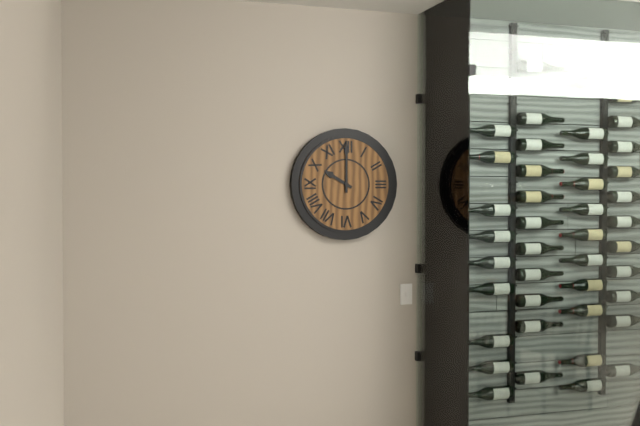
10.00
